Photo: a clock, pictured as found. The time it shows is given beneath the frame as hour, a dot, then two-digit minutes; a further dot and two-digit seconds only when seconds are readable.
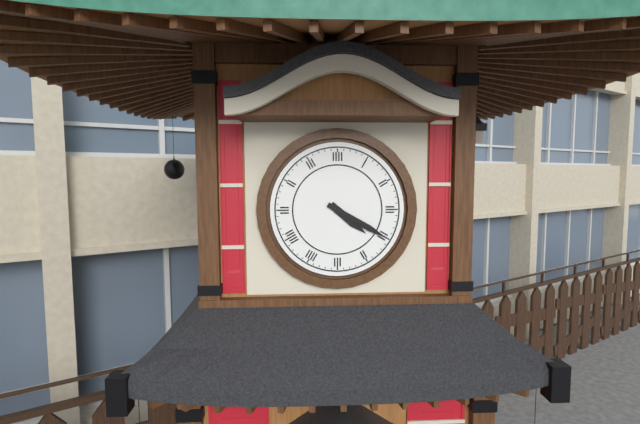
4.20
